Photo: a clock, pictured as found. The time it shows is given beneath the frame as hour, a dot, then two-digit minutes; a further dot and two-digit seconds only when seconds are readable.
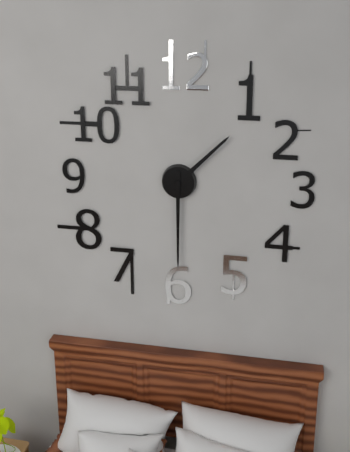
1.30
